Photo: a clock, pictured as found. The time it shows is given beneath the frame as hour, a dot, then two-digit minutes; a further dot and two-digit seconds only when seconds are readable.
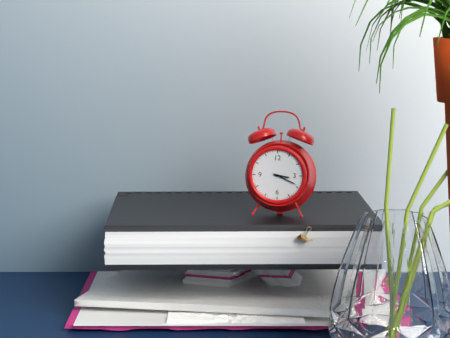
3.19
